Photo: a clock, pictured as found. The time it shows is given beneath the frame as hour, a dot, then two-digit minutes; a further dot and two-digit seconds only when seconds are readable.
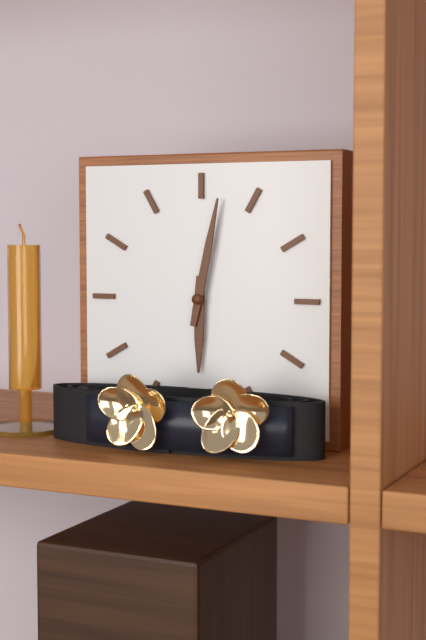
6.02
